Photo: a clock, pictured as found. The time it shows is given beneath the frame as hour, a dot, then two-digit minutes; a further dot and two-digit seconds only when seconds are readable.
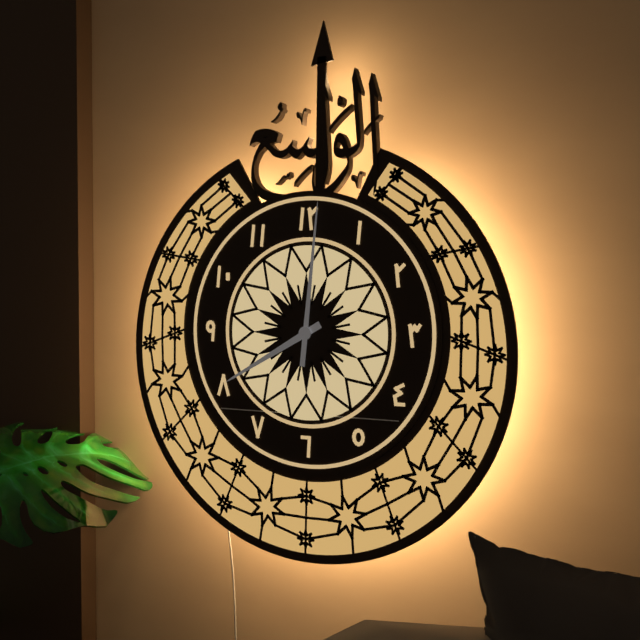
8.01
